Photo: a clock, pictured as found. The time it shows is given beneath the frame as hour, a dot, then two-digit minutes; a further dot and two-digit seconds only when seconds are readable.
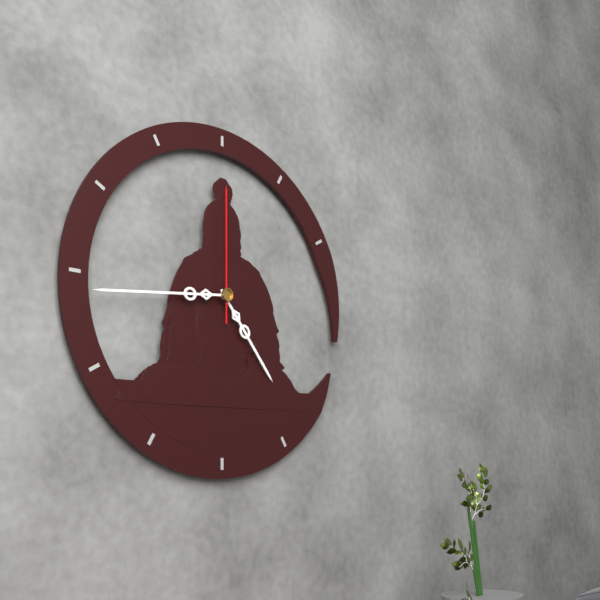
4.44.00
